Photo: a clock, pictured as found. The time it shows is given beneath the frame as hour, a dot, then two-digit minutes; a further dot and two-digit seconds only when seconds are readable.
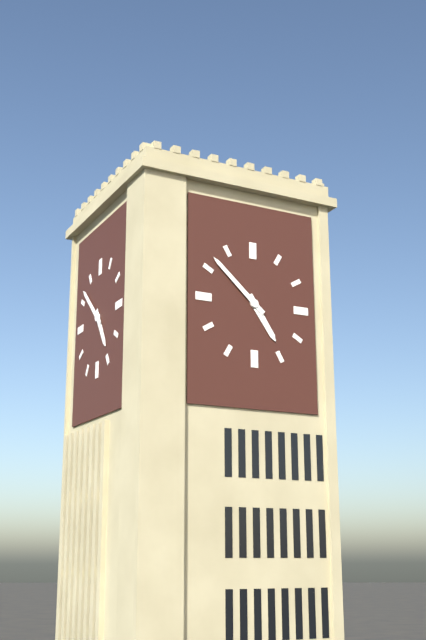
4.52
